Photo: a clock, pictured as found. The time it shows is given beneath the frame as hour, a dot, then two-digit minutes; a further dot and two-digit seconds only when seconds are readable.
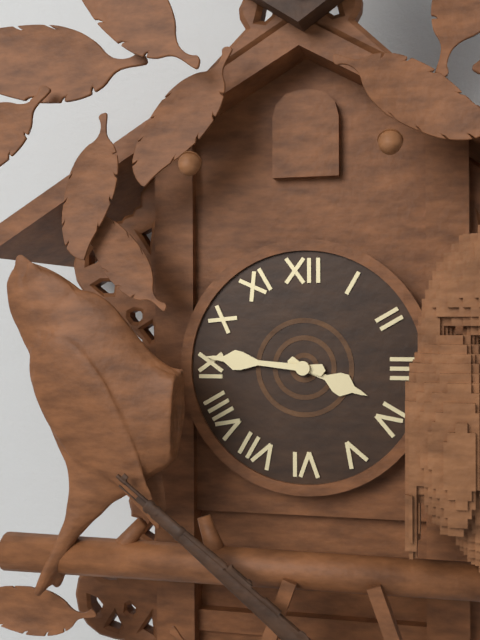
3.46
